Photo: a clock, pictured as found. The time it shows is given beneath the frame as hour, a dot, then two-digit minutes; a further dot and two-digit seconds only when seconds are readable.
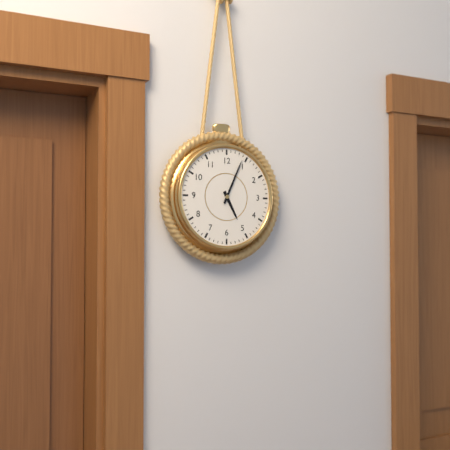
5.04
